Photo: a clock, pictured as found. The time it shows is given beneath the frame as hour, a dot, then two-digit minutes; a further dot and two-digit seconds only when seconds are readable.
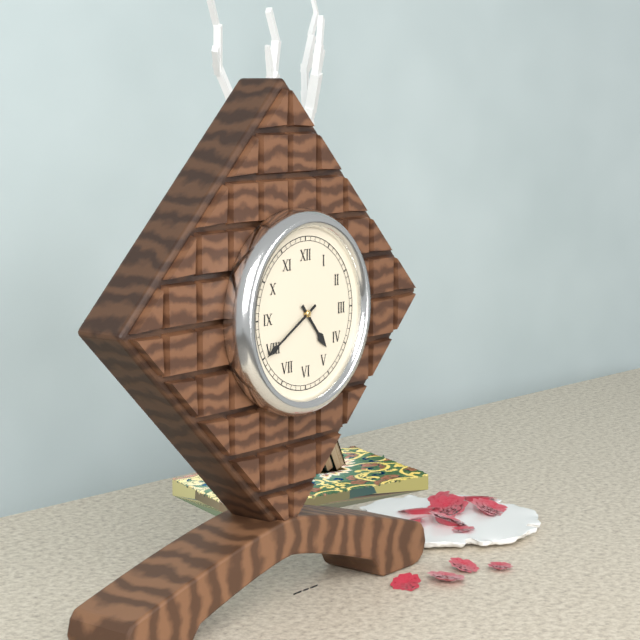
4.40
